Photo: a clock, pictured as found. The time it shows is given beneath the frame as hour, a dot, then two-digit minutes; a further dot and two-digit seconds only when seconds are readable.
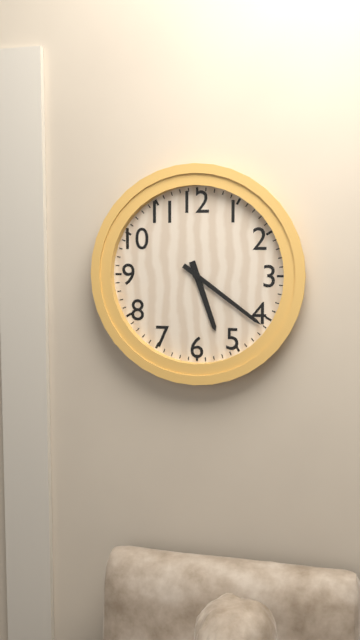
5.21
